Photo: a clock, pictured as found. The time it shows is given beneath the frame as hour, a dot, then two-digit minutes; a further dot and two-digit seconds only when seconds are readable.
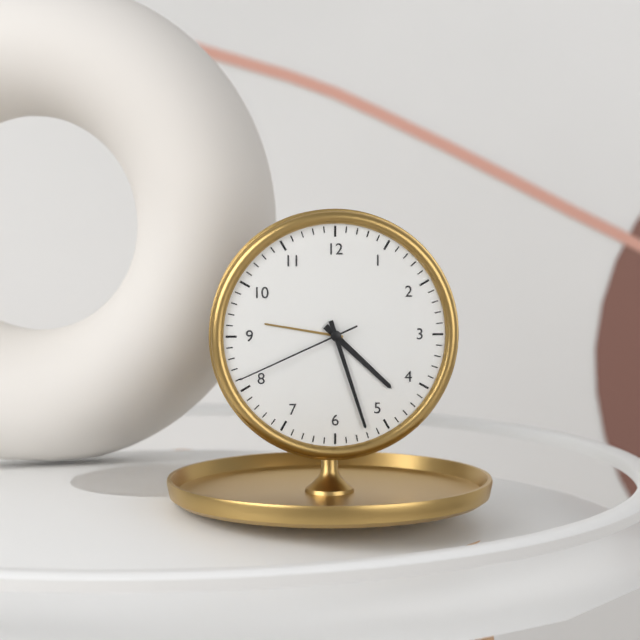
4.27.41
